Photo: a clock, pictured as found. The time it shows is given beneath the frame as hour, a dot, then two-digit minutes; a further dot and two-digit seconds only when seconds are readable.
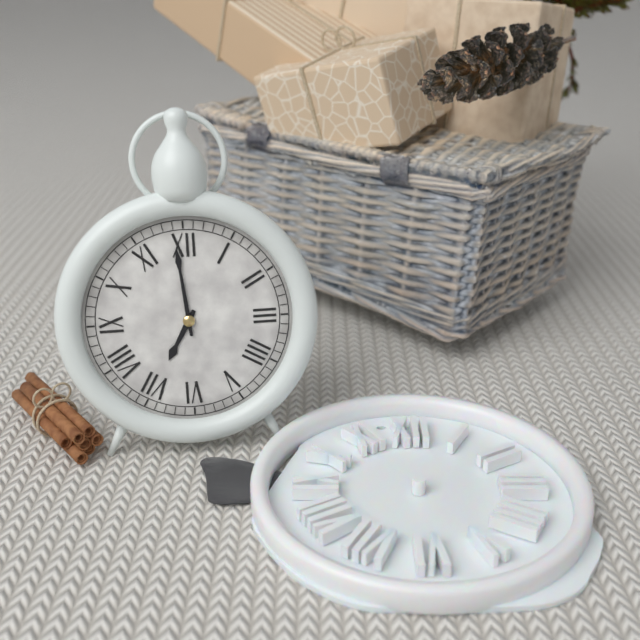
6.59
